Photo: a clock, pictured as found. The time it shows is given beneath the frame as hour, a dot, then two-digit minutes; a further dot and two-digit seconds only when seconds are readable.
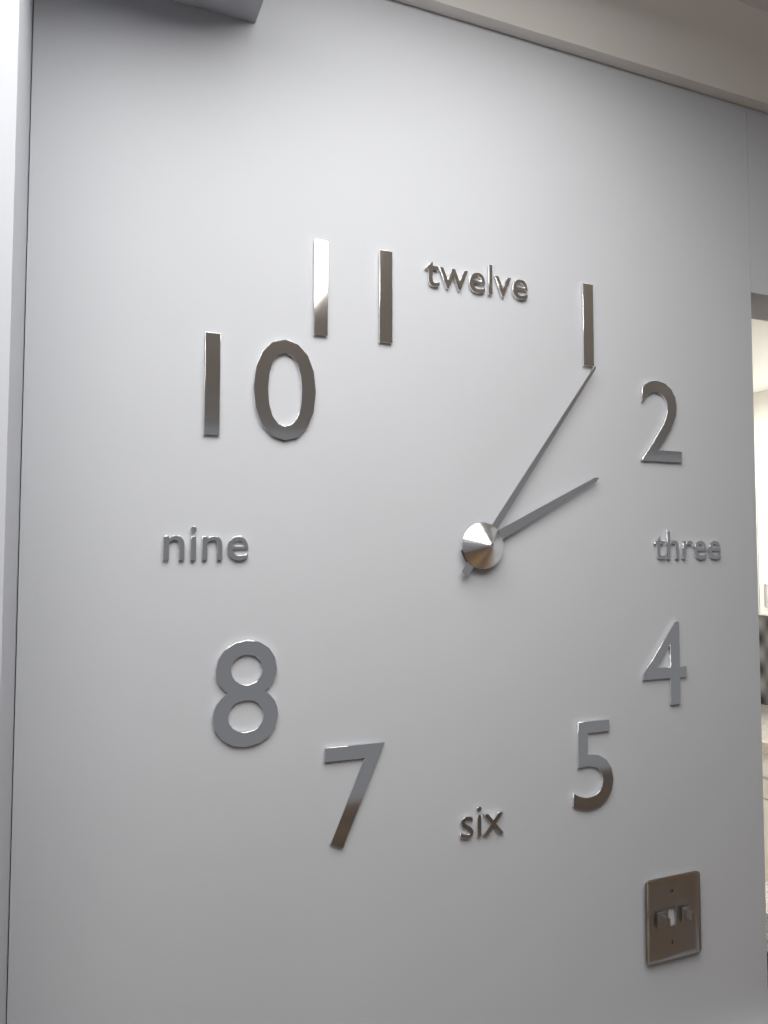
2.06
